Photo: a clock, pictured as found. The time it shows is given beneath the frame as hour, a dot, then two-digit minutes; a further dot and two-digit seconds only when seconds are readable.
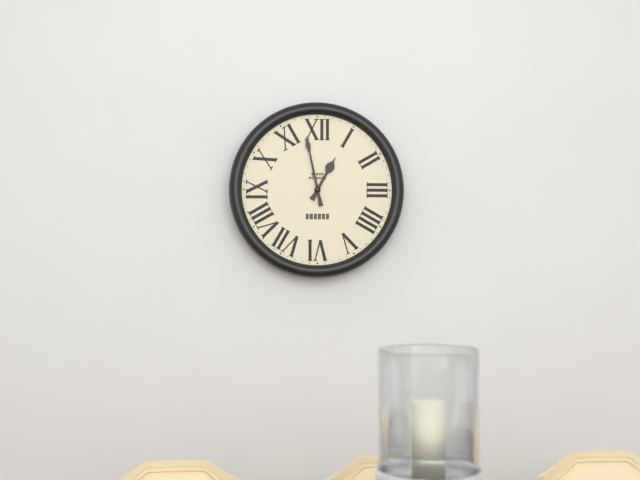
12.58
